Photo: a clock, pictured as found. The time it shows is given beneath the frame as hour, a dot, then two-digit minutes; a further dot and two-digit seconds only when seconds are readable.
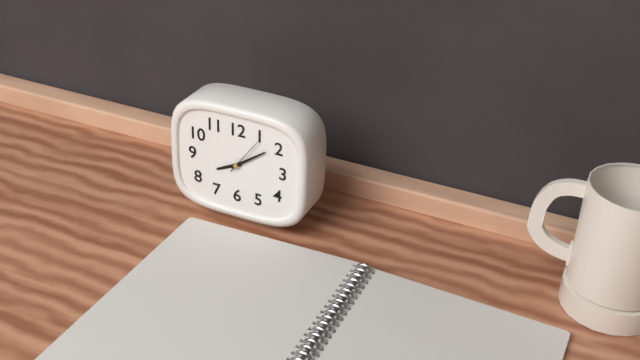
8.09
